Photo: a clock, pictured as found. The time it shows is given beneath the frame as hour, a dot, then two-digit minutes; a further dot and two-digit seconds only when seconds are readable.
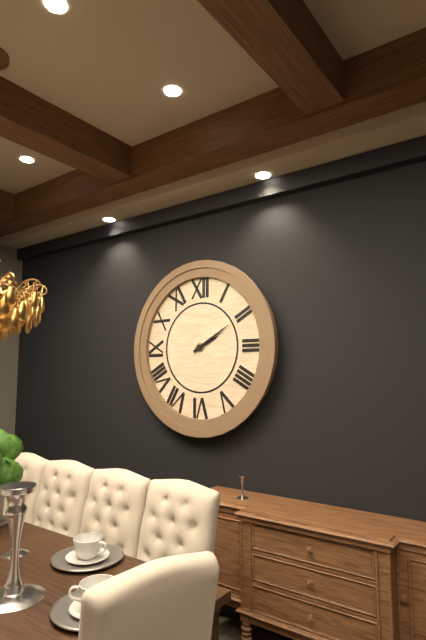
2.10
